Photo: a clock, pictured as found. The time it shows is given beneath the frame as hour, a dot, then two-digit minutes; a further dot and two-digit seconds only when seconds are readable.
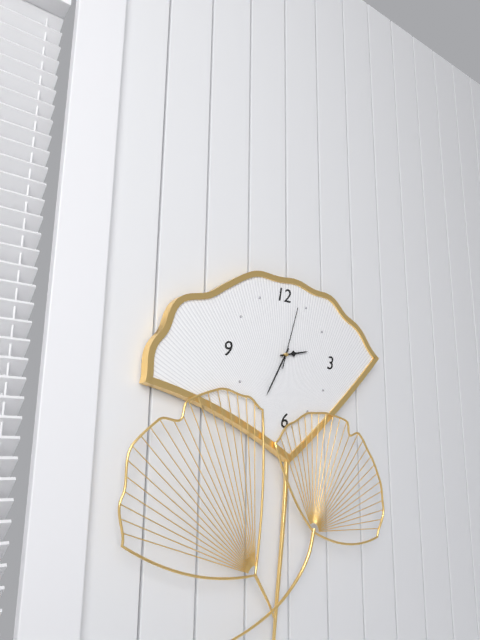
2.35.03
